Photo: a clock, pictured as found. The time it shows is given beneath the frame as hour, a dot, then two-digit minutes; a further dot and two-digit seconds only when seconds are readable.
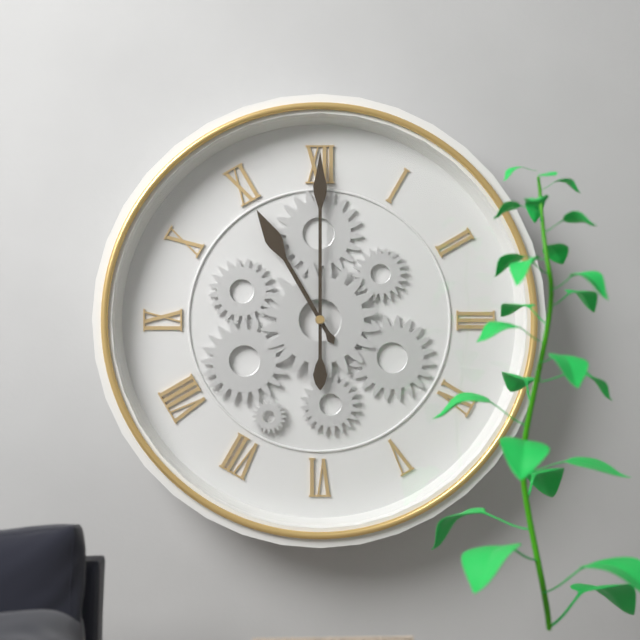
11.00
